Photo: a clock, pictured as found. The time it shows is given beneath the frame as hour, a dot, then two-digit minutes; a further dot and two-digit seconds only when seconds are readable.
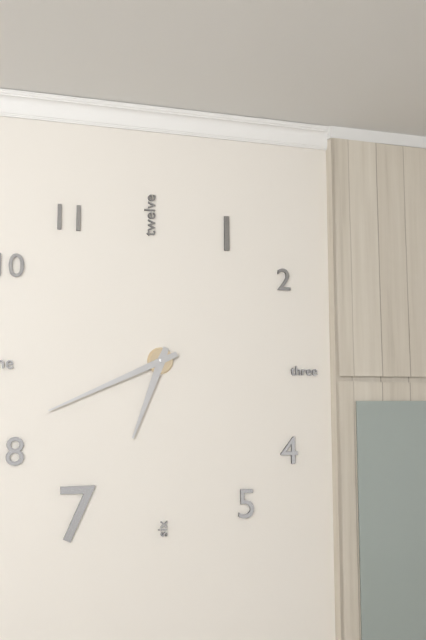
6.41
